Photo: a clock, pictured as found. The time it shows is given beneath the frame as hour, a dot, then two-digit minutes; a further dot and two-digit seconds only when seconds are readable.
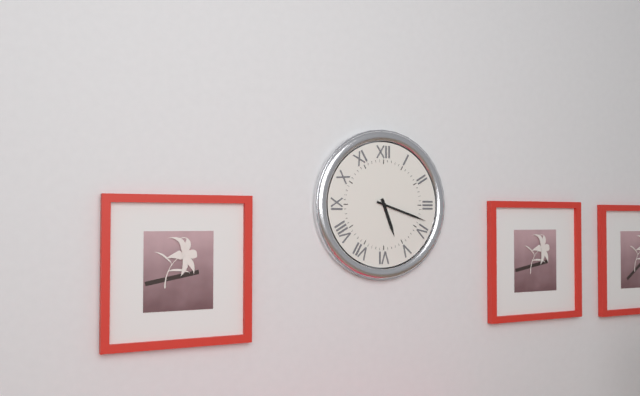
5.18
